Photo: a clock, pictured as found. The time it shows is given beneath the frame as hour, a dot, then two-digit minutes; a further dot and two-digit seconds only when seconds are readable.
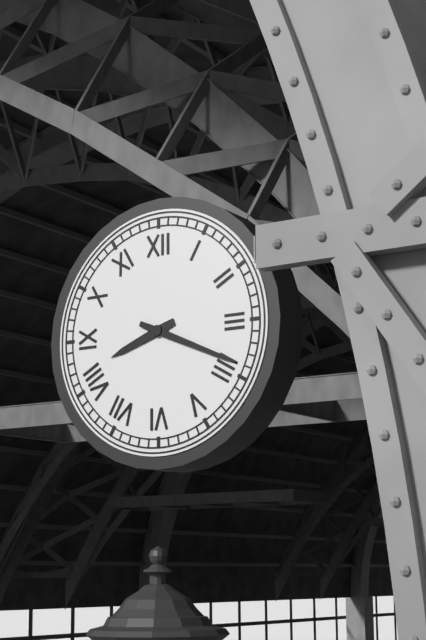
8.19
